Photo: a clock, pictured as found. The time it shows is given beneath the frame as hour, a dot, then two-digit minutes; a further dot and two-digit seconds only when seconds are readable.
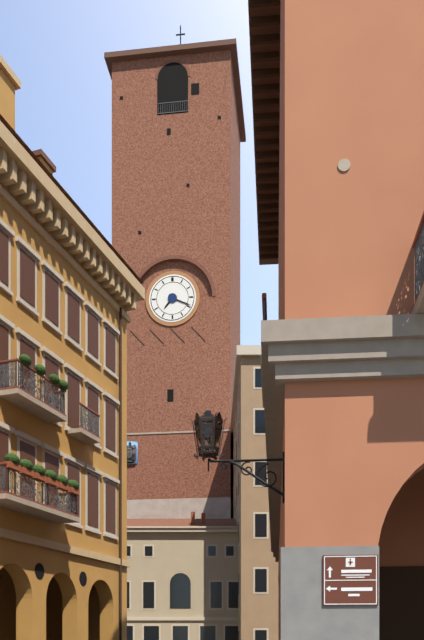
7.19
